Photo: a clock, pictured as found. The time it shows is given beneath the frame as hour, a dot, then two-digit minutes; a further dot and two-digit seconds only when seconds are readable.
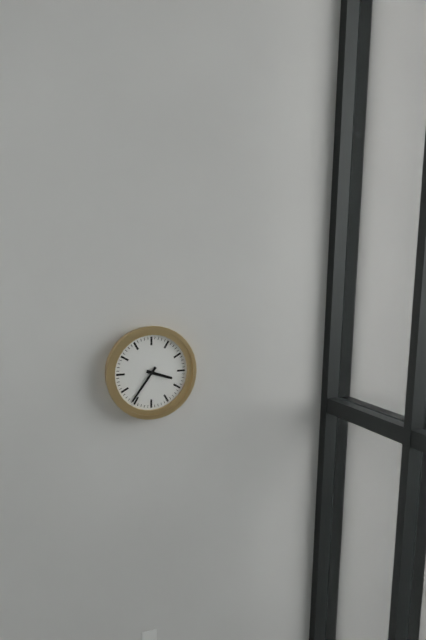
3.36
